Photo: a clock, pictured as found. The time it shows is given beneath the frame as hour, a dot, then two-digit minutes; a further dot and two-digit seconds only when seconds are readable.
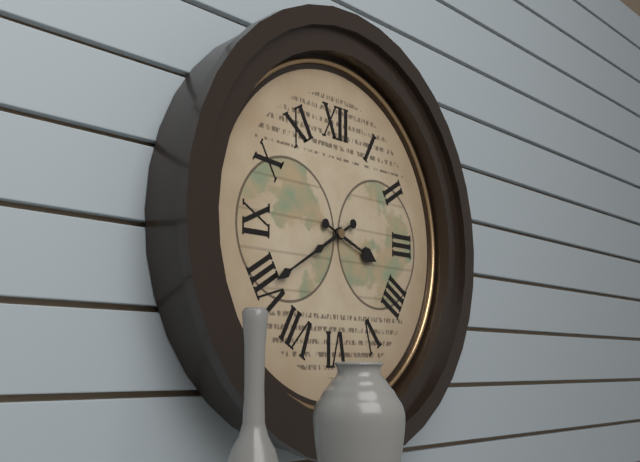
3.40
